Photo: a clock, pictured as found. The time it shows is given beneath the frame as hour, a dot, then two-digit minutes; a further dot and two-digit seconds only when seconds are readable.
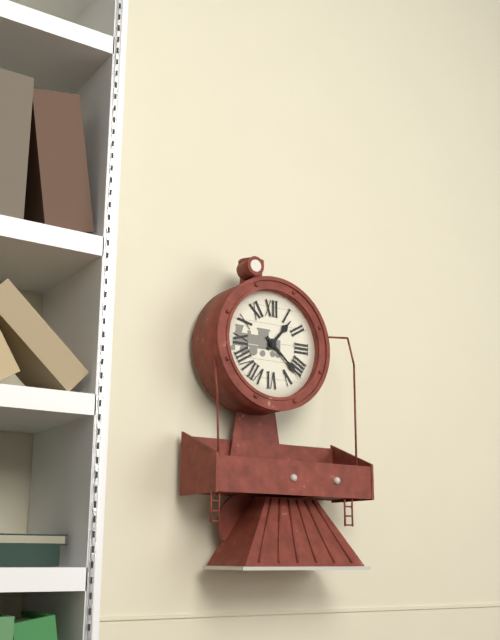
1.22
